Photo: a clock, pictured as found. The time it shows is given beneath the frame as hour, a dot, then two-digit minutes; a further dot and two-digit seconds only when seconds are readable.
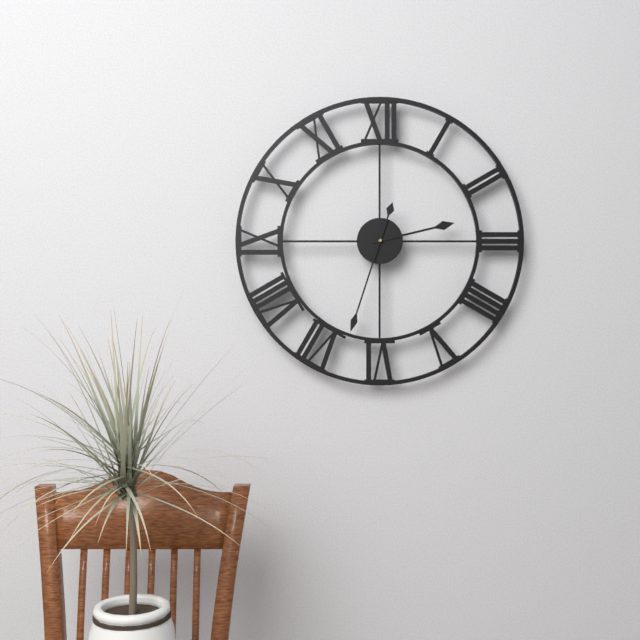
2.33
